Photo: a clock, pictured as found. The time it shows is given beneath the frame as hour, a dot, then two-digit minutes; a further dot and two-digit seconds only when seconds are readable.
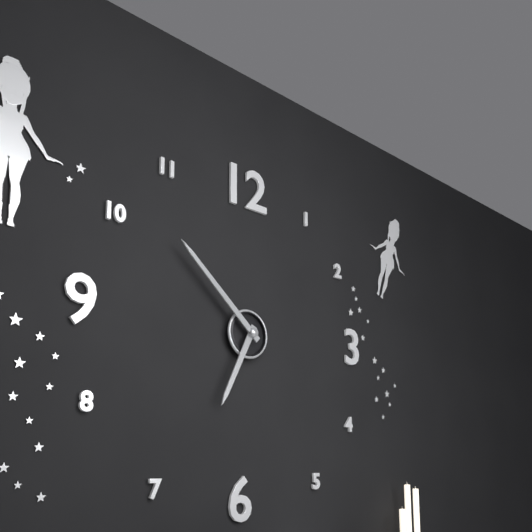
6.52
